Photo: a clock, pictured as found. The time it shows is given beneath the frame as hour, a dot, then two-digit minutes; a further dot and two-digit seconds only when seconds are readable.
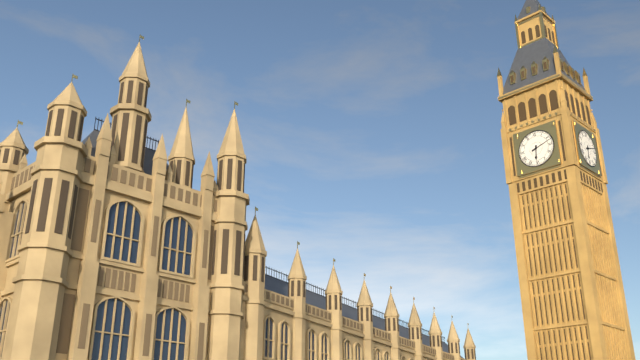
6.12
